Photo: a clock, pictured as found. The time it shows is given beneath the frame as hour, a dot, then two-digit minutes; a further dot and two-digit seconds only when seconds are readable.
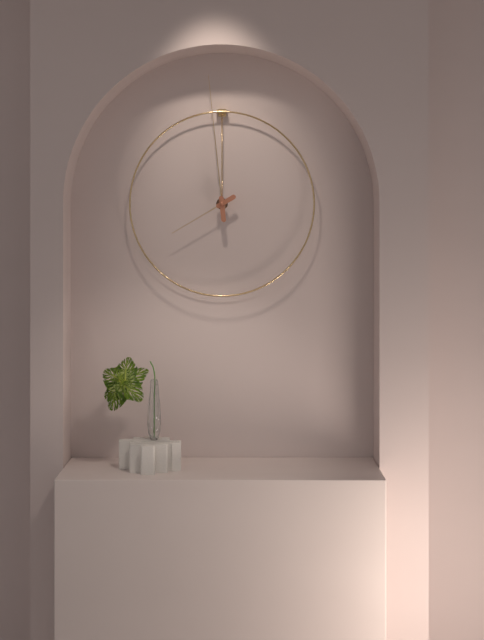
7.59
